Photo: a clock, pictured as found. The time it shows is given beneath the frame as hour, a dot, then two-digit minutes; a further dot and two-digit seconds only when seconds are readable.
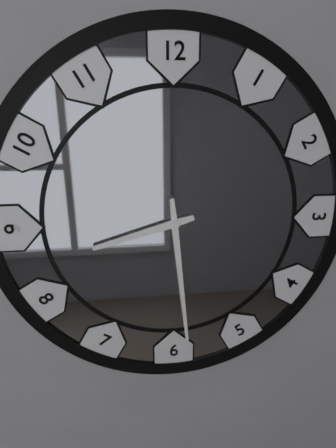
8.29
